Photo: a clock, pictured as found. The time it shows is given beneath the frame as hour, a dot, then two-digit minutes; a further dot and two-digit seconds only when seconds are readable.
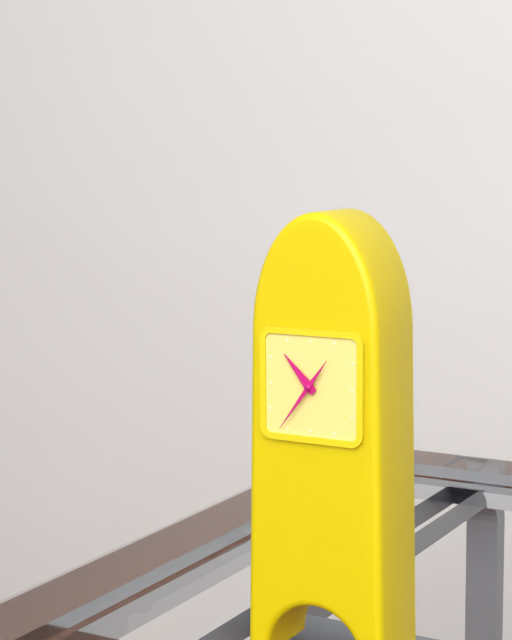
10.36
